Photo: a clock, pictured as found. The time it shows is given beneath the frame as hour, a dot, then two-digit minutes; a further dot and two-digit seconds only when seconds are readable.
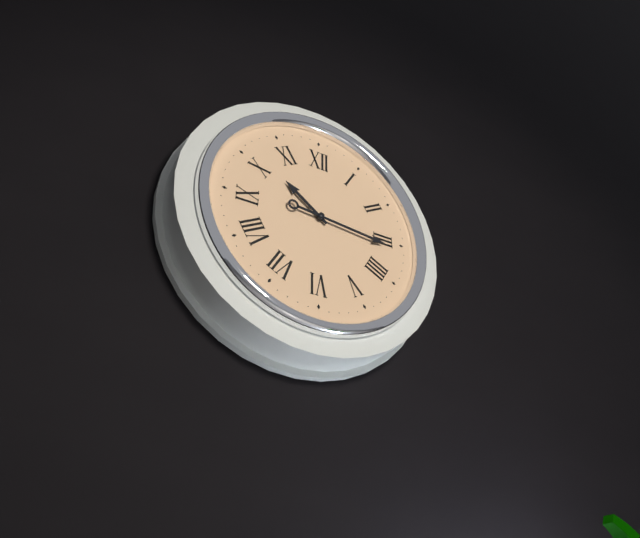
10.16
